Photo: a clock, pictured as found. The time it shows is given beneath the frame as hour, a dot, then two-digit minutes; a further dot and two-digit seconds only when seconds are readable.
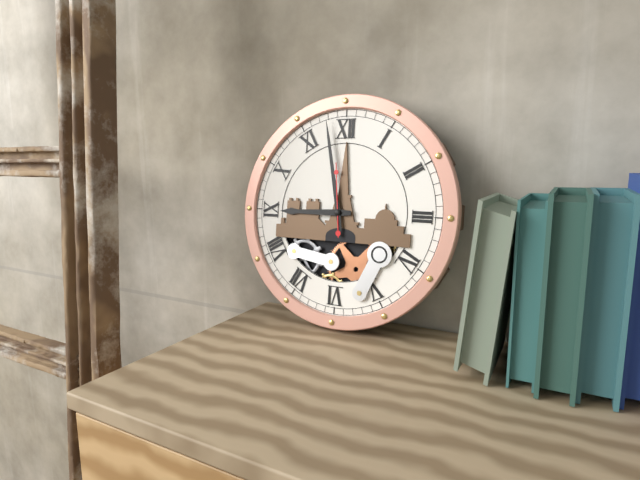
8.58.59
